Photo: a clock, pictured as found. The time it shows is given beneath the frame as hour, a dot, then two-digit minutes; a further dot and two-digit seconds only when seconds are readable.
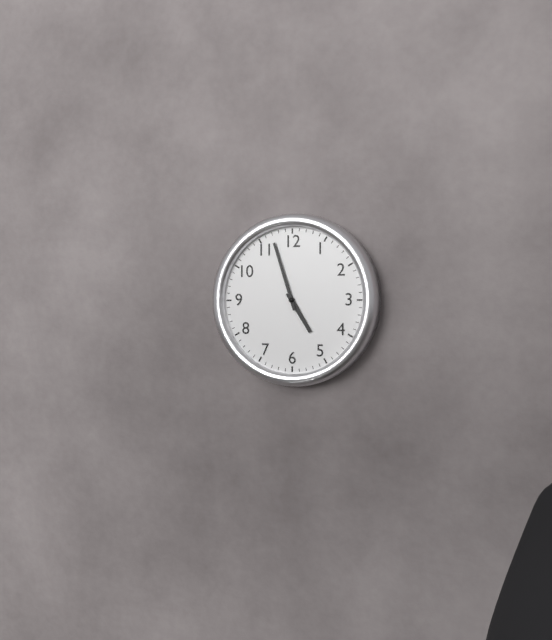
4.57
